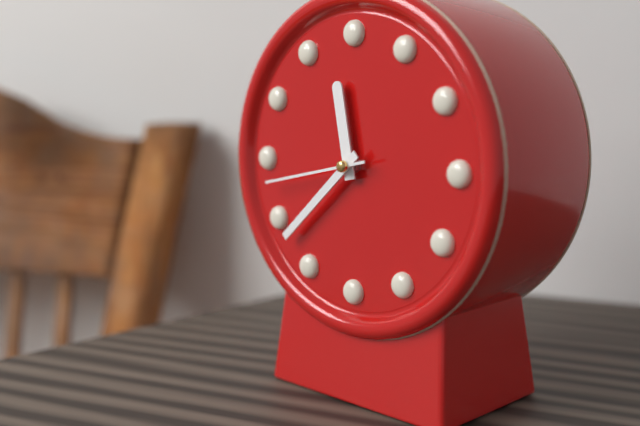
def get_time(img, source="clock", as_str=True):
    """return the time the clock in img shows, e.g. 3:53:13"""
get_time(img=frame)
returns 11:38:43
